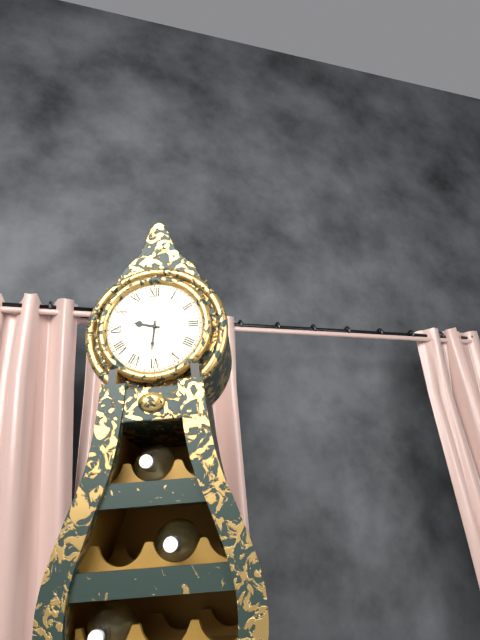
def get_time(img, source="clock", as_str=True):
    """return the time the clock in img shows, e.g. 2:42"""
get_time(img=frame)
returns 9:31
